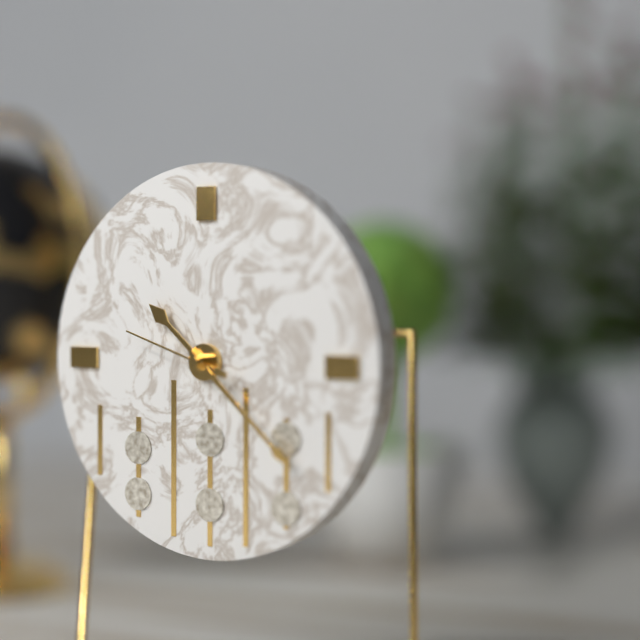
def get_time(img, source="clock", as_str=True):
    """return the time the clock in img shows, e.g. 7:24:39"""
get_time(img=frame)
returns 10:22:48
